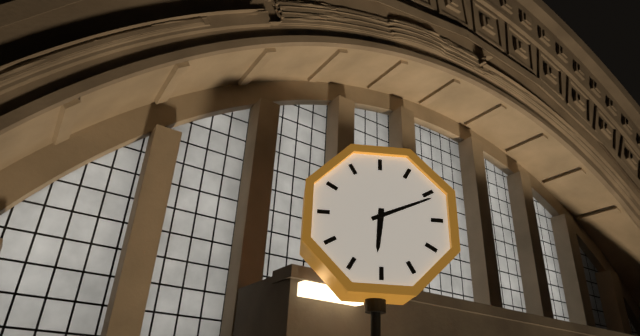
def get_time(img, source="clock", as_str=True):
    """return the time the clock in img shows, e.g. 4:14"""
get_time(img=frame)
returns 6:11
